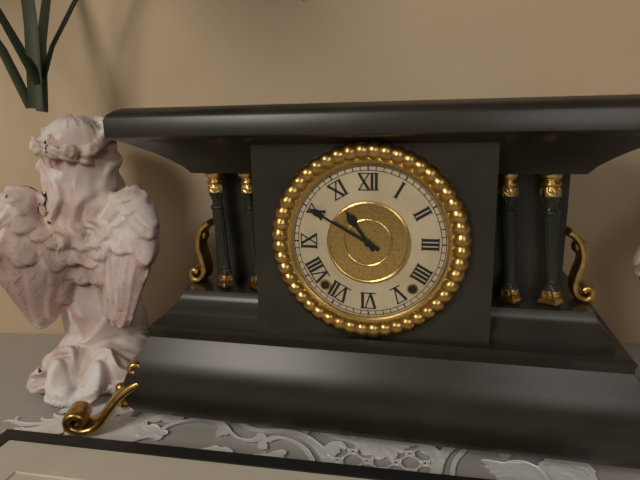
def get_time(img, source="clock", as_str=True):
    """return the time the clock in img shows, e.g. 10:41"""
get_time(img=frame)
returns 10:50
